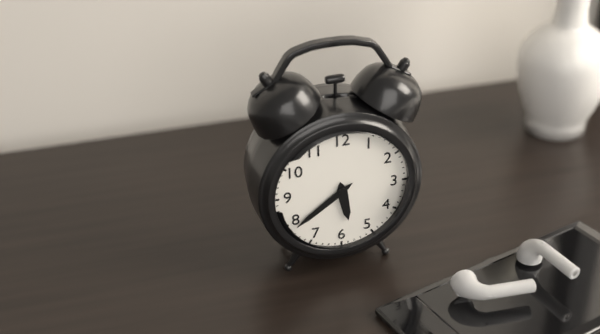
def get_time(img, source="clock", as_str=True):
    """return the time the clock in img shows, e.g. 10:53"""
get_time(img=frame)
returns 5:39
